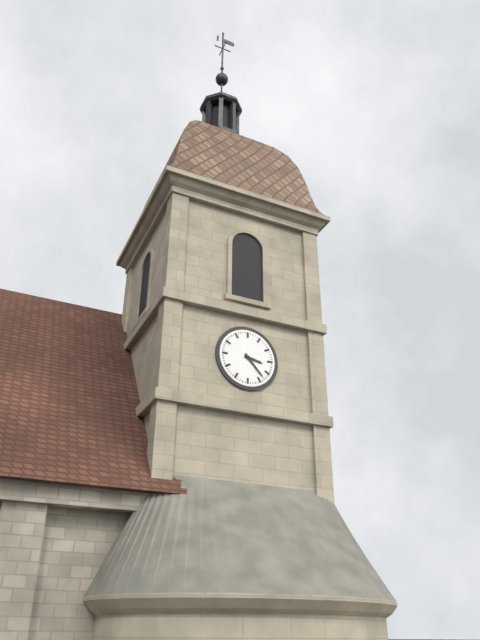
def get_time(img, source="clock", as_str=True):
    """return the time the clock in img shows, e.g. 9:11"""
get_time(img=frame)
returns 3:23
